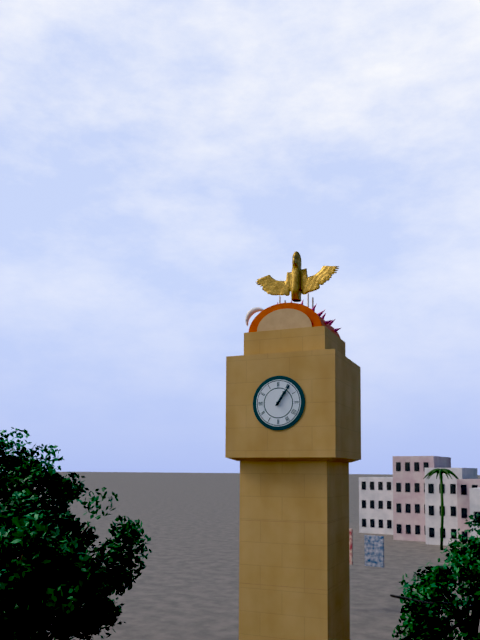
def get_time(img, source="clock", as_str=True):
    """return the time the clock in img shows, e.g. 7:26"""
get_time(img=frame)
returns 1:06
